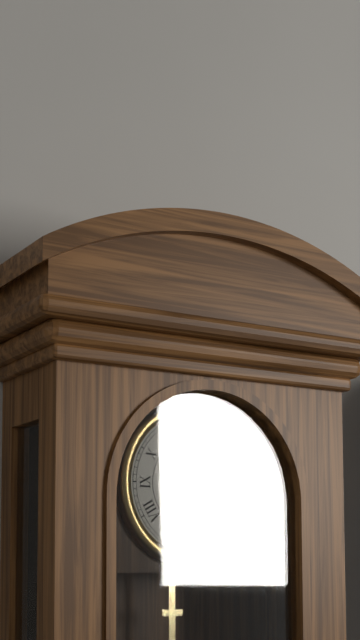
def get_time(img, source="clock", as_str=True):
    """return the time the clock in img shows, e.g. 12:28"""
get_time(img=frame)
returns 9:57
